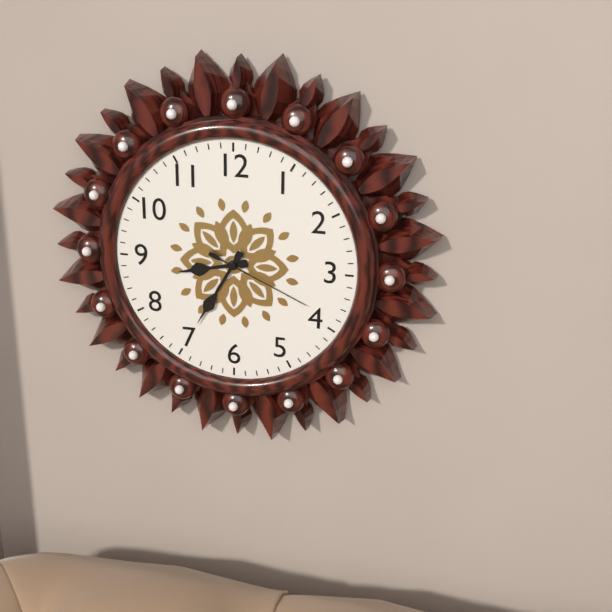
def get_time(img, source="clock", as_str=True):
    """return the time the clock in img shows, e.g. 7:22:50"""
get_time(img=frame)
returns 8:35:19
